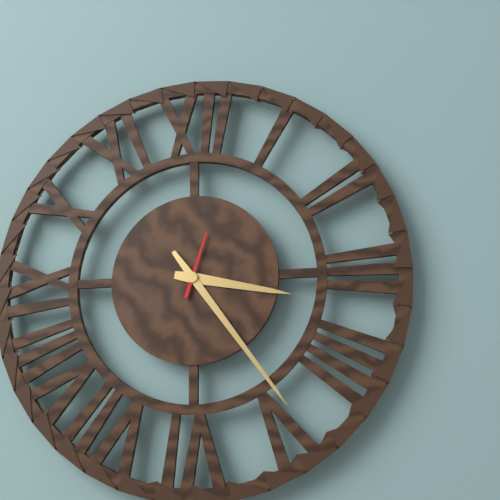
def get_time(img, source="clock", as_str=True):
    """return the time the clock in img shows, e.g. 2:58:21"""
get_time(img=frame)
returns 3:24:03
